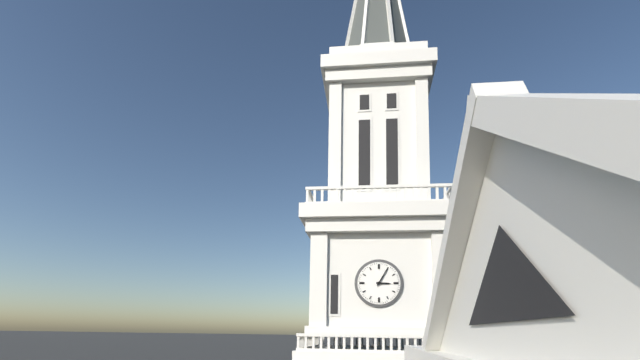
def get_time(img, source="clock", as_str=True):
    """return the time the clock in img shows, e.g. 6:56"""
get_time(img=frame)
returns 3:05
